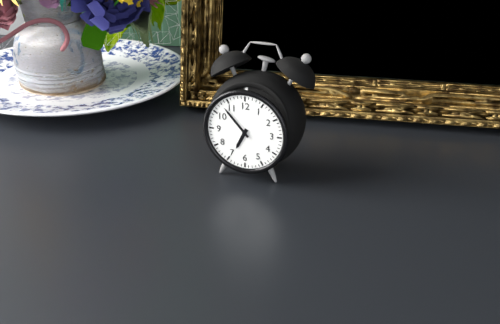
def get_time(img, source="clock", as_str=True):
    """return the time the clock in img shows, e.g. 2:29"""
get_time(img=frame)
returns 6:53
